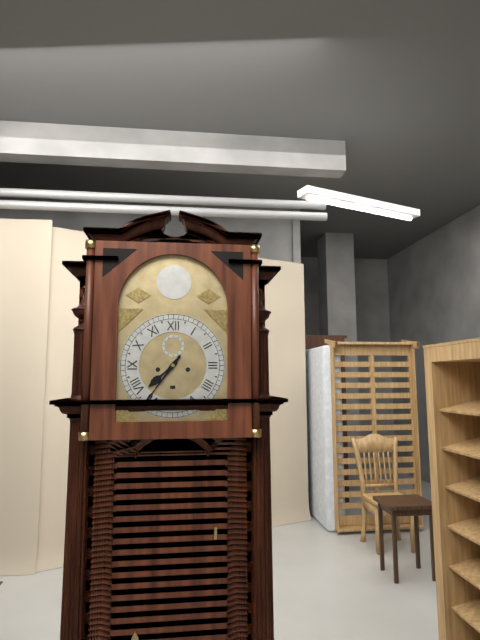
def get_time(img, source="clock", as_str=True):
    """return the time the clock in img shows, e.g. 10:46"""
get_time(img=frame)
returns 7:36
